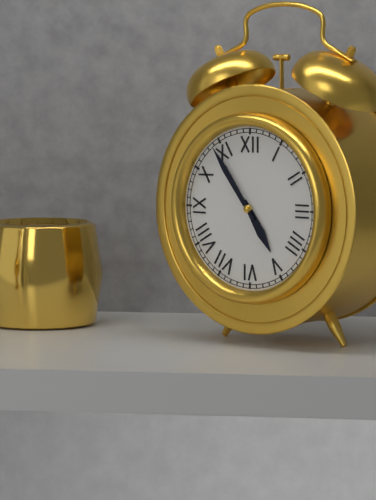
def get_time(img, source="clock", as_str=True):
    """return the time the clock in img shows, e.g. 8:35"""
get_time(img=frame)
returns 4:54
